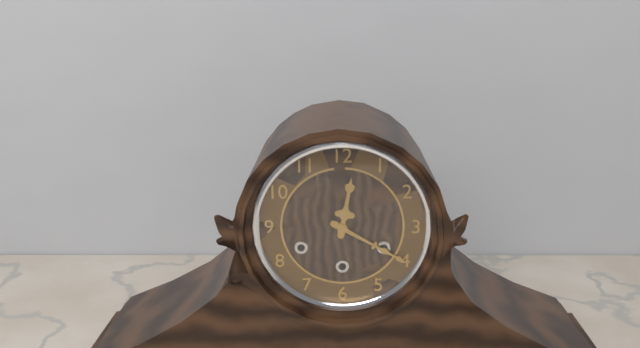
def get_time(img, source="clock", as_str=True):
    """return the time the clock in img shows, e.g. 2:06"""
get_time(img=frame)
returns 12:20
